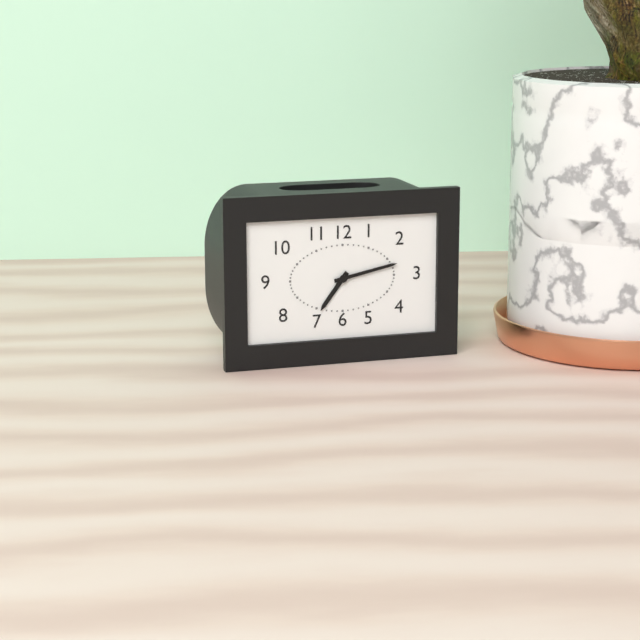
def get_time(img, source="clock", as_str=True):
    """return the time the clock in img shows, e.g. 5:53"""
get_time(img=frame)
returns 7:13
